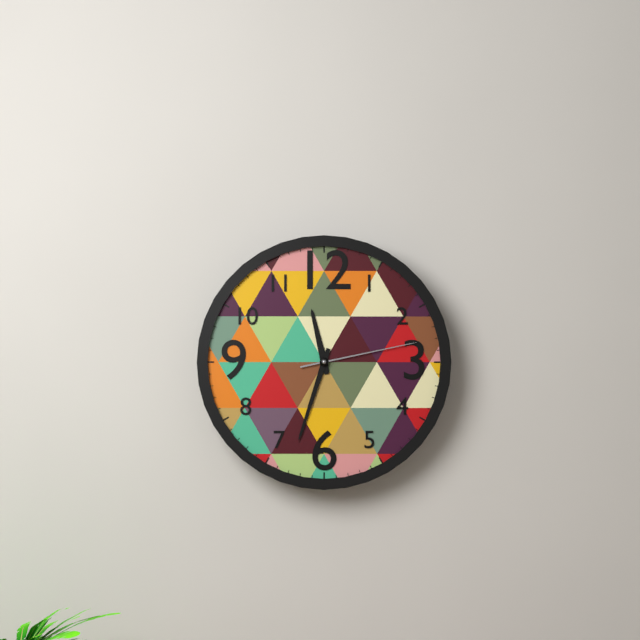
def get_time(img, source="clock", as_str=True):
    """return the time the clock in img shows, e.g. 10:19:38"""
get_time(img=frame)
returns 11:33:13
